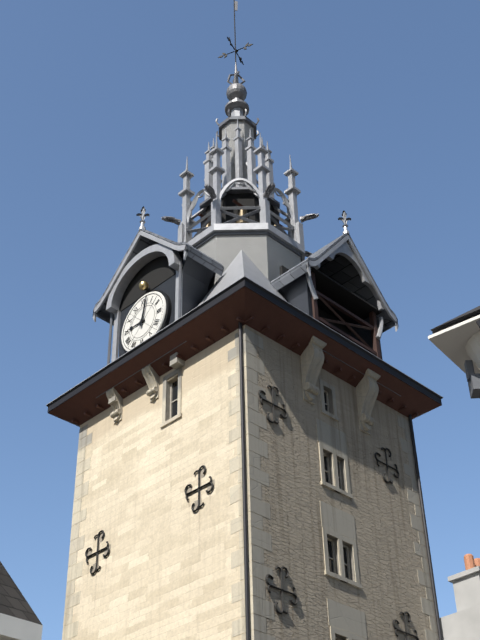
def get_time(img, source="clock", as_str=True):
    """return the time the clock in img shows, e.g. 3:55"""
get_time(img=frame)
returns 9:02
